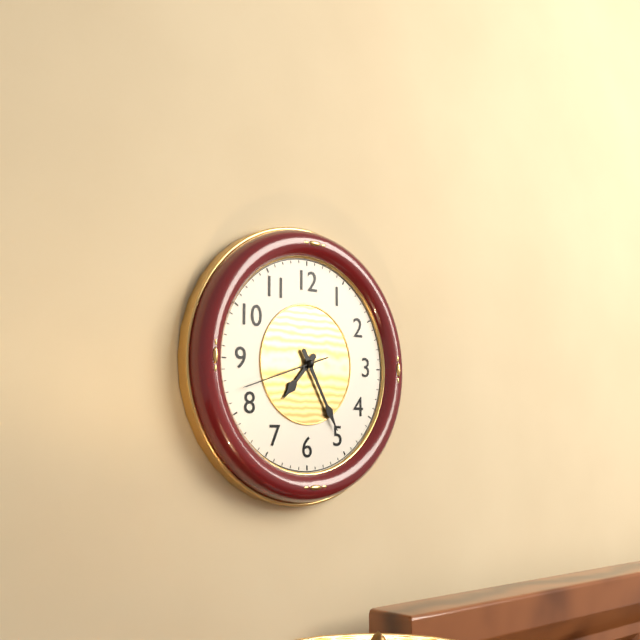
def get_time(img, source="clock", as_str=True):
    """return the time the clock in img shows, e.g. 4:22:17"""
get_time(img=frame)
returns 7:25:42
